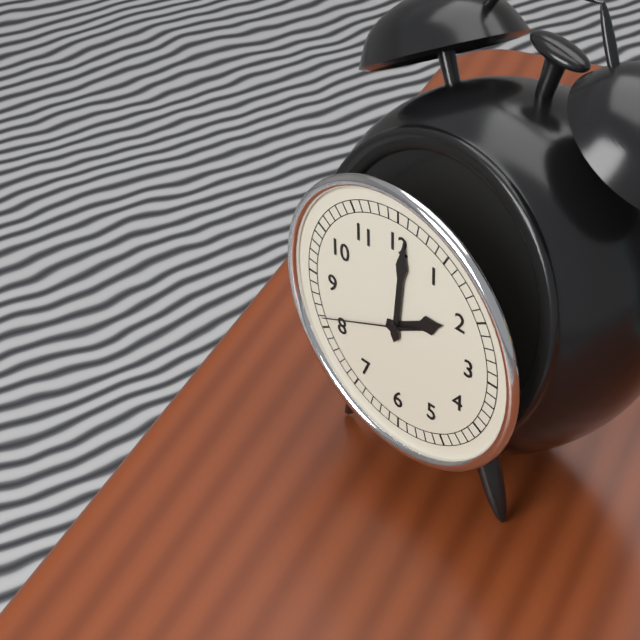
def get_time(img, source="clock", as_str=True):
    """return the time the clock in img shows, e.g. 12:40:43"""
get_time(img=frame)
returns 2:01:41
